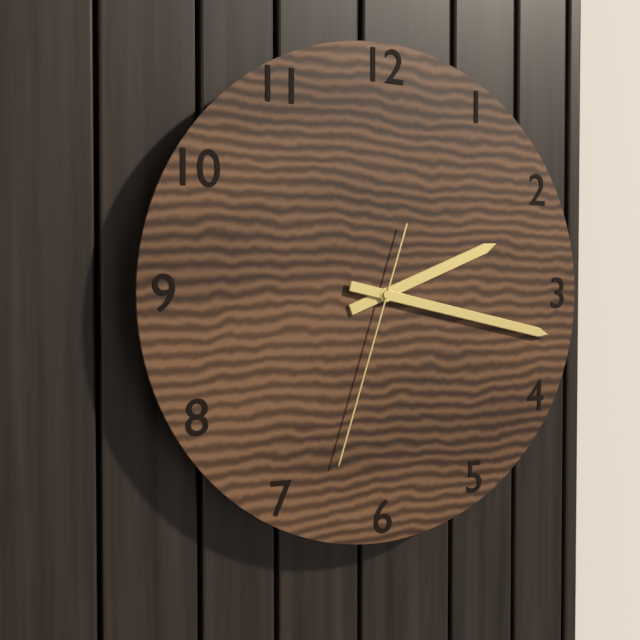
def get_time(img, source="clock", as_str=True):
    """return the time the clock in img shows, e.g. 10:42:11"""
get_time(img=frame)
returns 2:17:33
